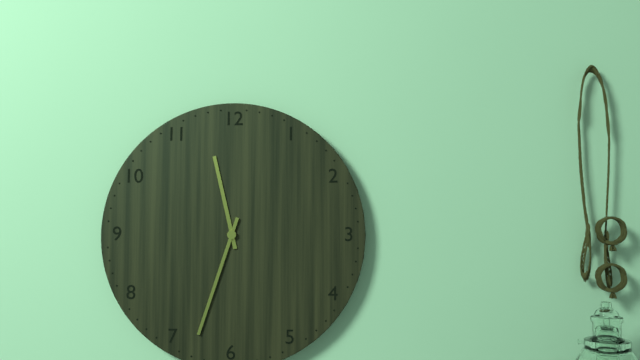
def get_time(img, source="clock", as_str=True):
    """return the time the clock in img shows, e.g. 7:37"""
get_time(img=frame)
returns 11:33
